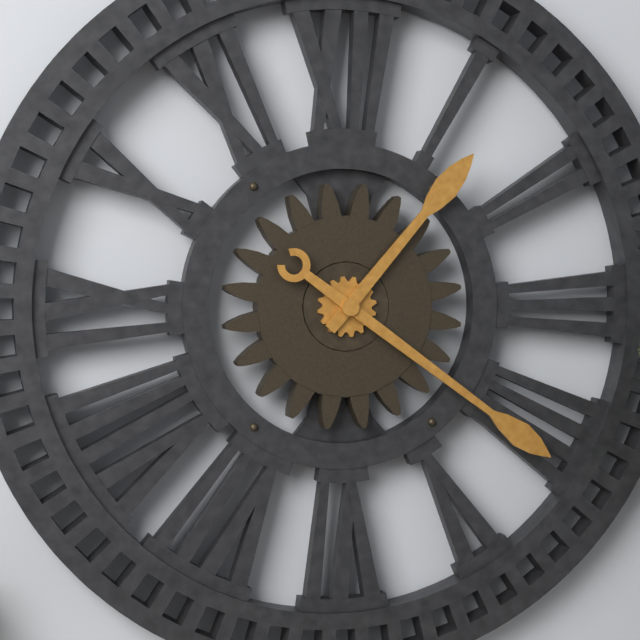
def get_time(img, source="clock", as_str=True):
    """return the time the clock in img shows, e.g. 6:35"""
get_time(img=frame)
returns 1:21
